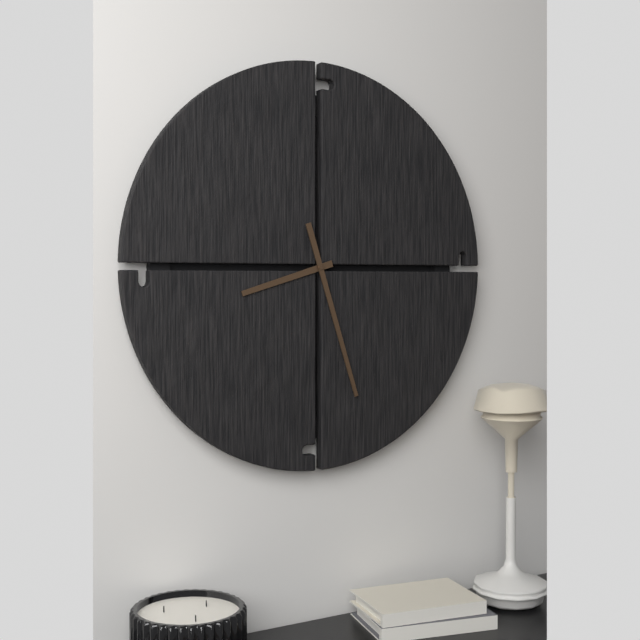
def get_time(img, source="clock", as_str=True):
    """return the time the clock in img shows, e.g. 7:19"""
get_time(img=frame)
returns 8:27
